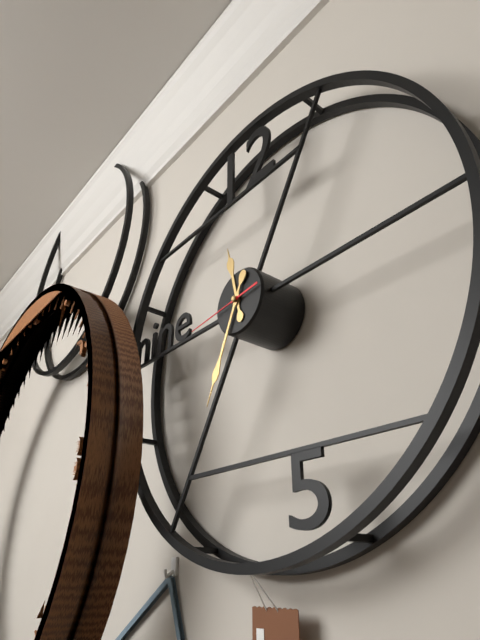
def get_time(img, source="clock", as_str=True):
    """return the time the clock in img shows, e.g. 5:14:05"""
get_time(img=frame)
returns 11:34:44
